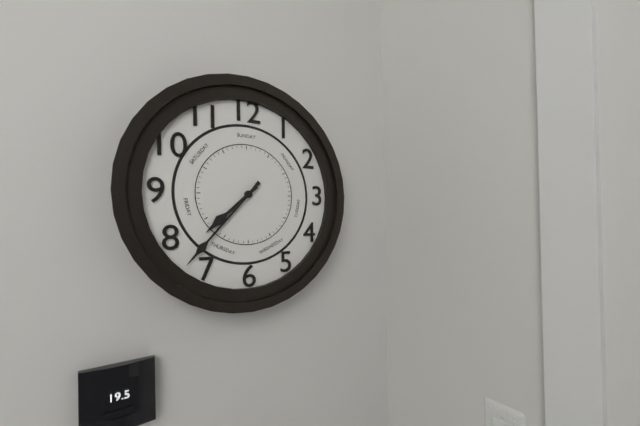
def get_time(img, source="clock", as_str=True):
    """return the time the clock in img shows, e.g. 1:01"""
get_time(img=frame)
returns 7:37
